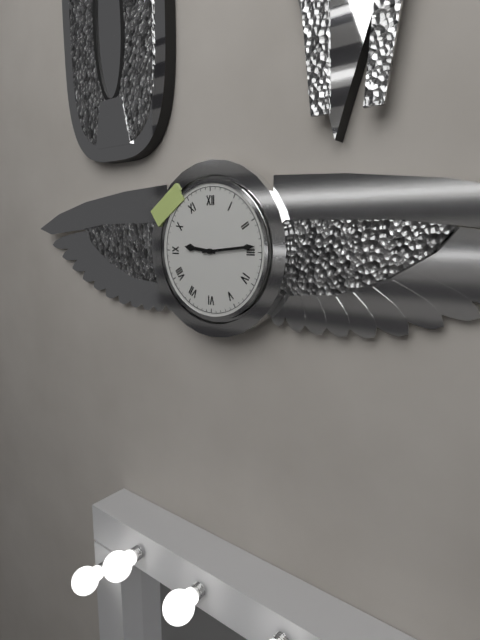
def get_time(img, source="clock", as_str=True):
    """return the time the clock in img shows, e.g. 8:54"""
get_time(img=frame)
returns 9:14
